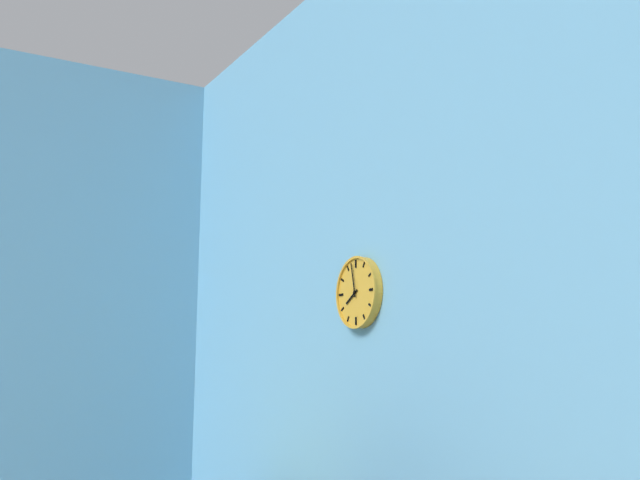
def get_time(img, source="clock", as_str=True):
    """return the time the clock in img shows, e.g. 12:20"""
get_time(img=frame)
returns 7:58
